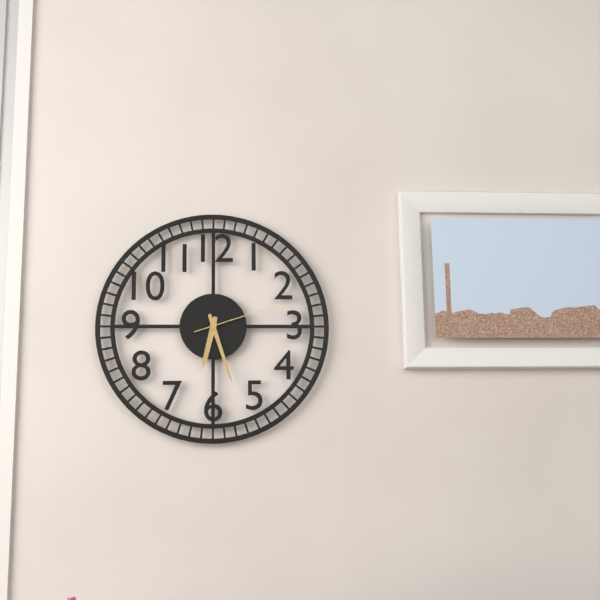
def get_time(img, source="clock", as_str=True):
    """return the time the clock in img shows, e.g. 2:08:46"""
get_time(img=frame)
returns 6:27:12
